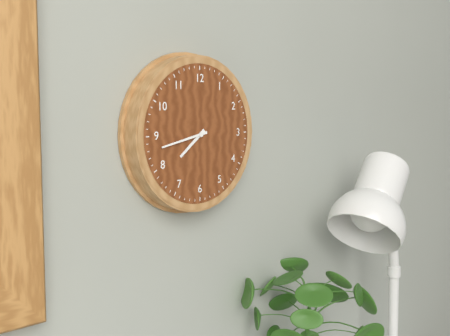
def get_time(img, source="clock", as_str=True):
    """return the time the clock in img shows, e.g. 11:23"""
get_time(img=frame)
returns 7:43
